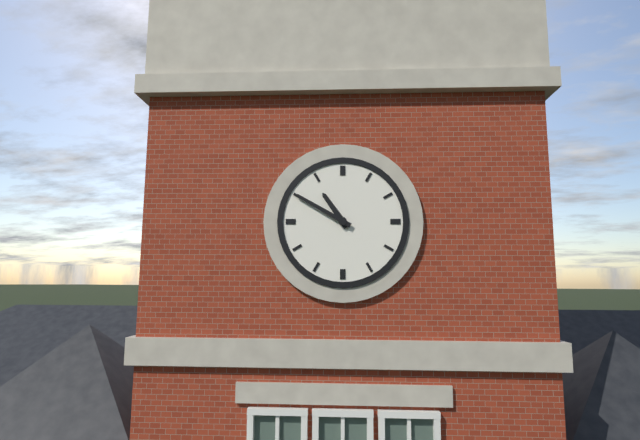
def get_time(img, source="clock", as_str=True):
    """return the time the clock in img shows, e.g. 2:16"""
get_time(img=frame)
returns 10:50
